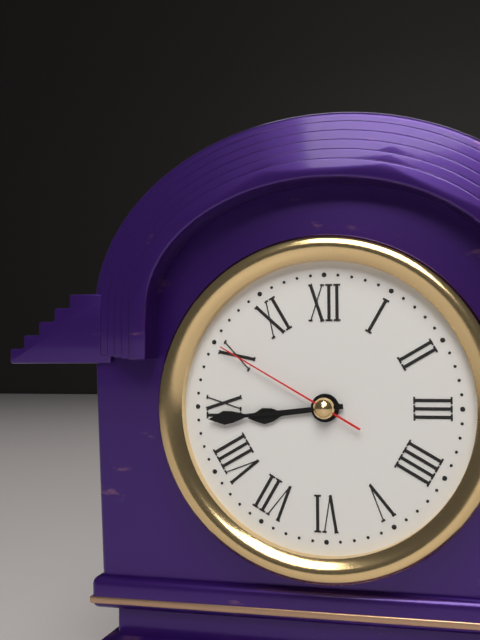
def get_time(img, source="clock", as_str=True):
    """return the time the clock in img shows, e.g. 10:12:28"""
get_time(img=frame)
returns 8:44:50
